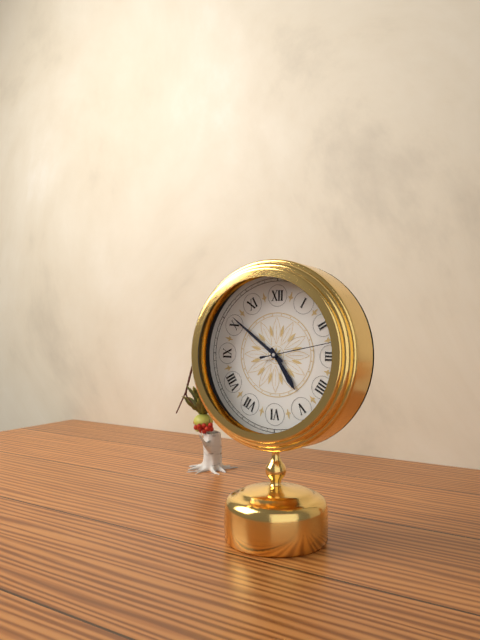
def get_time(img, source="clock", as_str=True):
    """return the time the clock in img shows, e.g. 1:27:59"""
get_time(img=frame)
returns 4:51:13
